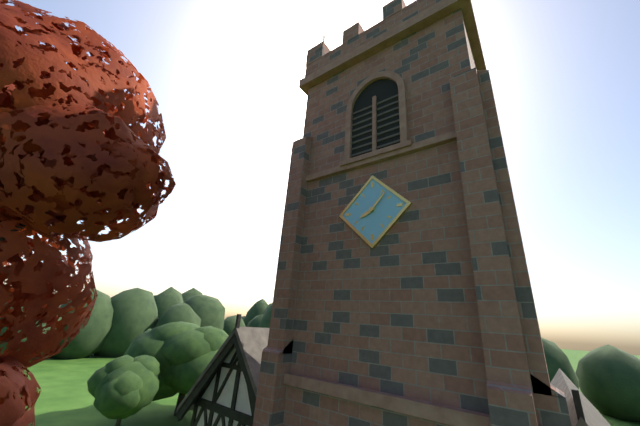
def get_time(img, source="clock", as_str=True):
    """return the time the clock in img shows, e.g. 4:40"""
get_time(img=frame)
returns 8:07
